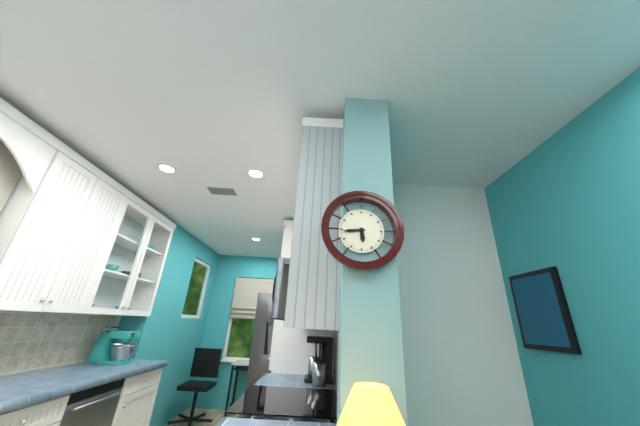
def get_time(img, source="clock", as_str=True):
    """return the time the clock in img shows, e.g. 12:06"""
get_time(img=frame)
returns 5:44
